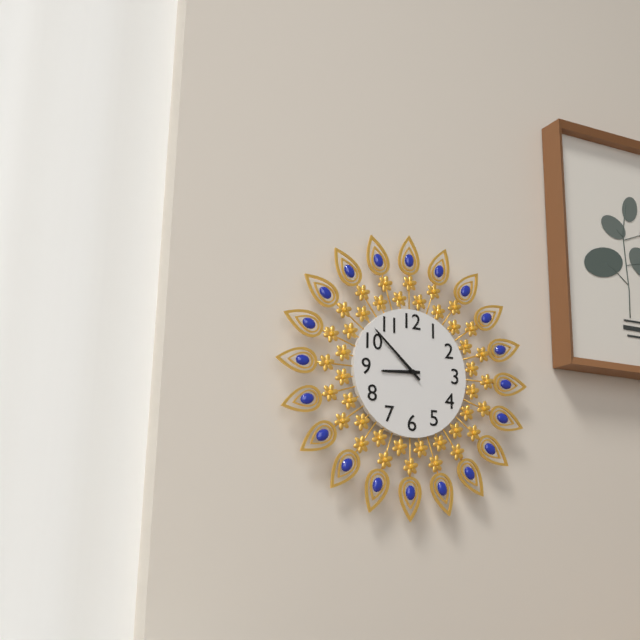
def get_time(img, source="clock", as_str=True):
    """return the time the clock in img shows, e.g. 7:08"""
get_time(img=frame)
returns 8:52
